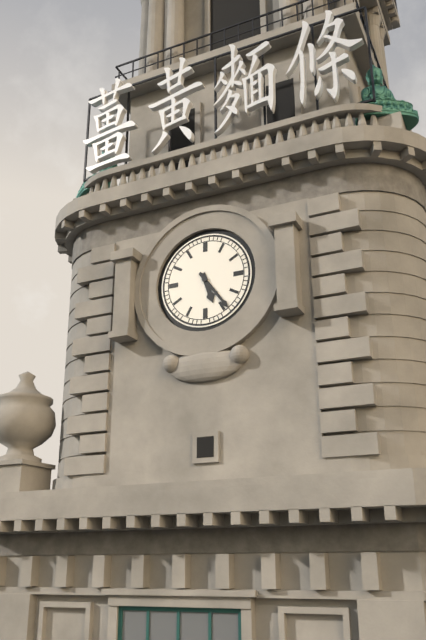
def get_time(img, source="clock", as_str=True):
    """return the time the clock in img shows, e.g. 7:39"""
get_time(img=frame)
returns 5:24
